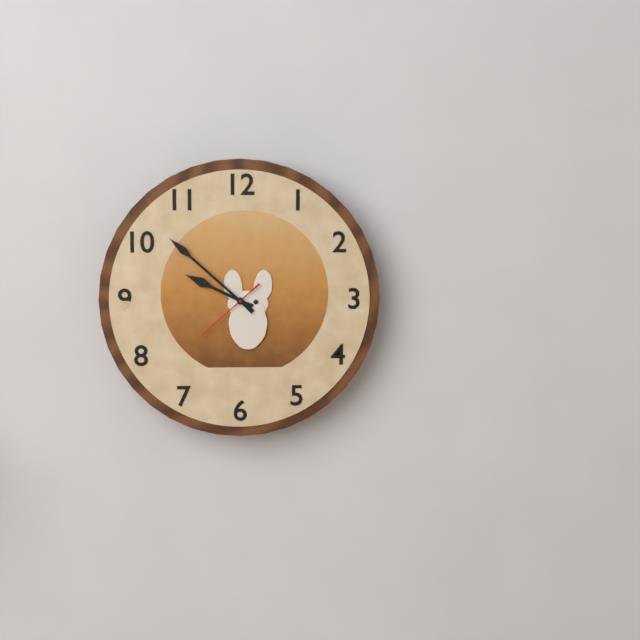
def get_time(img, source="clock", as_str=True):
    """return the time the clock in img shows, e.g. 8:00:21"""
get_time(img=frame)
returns 9:52:38
